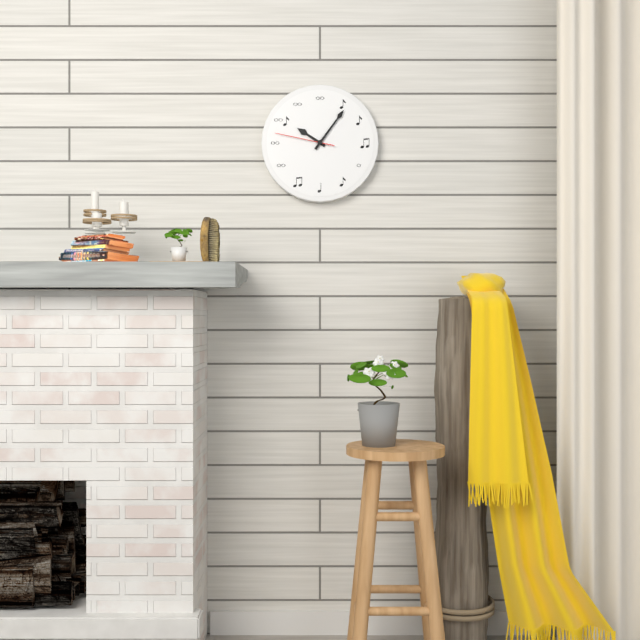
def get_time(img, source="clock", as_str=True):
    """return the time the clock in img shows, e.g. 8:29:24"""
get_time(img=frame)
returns 10:06:47
